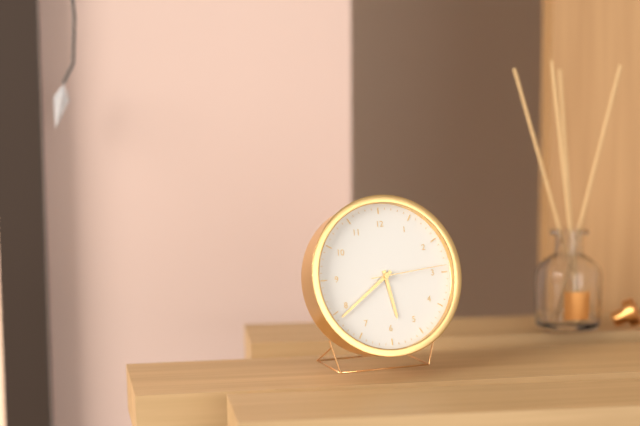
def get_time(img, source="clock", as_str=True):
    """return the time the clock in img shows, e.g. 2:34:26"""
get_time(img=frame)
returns 5:39:14
